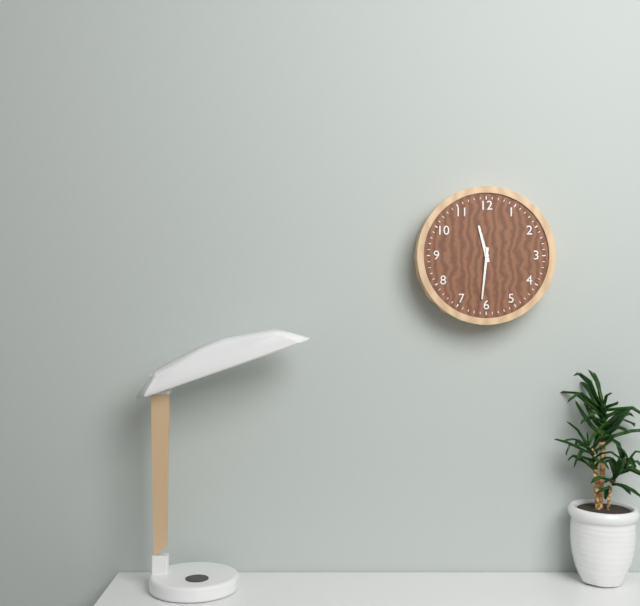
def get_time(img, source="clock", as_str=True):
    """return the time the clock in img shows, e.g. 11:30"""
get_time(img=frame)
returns 11:31
